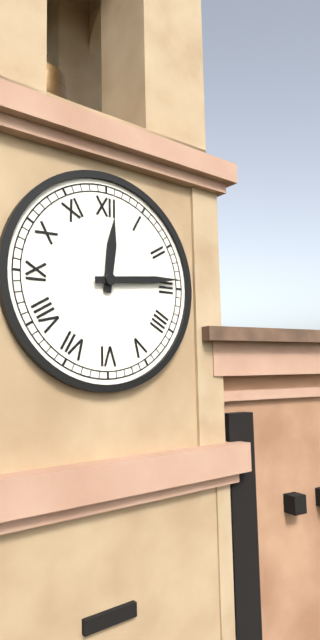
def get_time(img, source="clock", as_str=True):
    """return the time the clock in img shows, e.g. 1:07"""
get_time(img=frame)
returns 12:14
